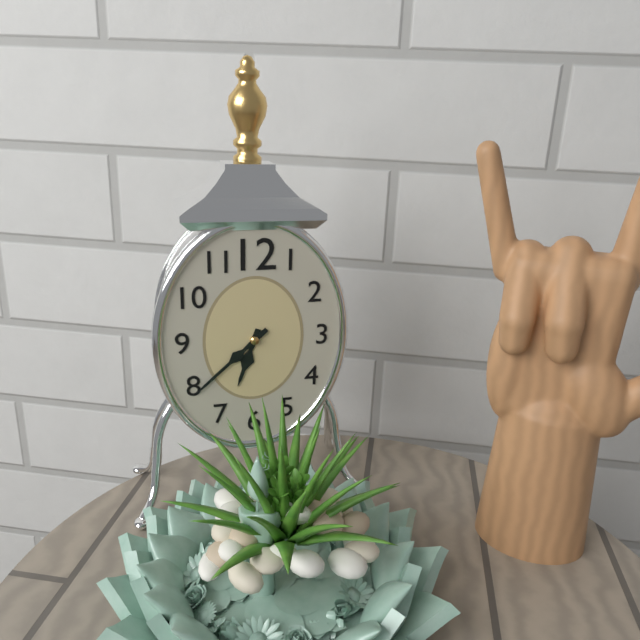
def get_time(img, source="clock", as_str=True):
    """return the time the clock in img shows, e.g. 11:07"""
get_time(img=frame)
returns 6:38
